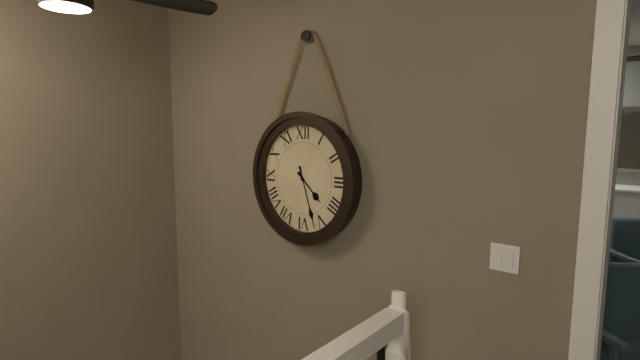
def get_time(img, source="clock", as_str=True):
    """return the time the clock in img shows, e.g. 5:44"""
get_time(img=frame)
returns 4:27
